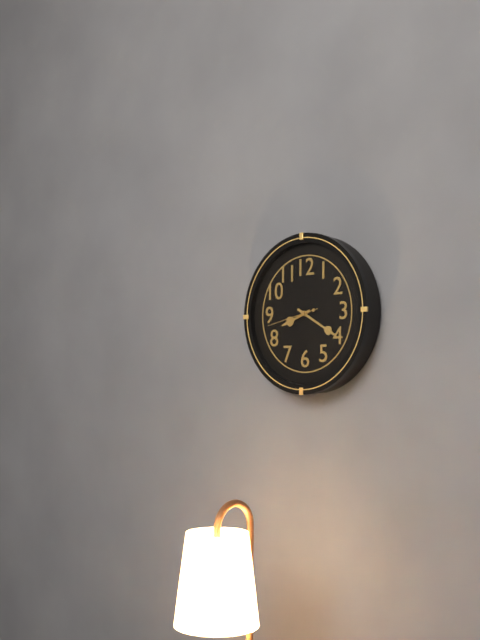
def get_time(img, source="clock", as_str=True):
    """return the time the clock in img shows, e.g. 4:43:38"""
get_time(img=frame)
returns 8:20:43
